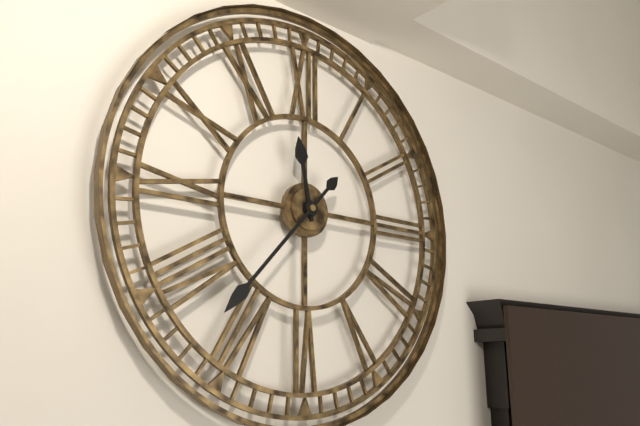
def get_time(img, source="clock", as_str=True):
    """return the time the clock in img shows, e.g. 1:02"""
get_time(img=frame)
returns 11:37
